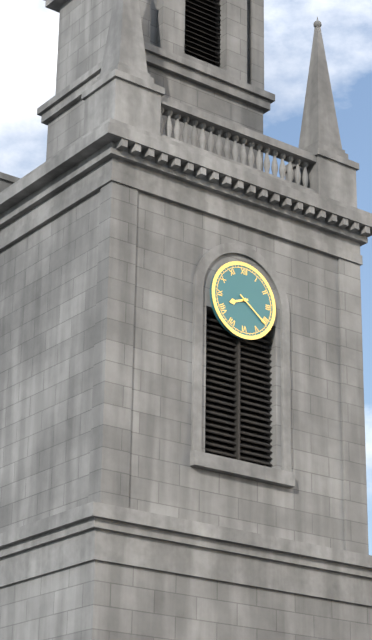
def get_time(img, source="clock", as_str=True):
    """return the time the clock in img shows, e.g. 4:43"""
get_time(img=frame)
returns 8:21
